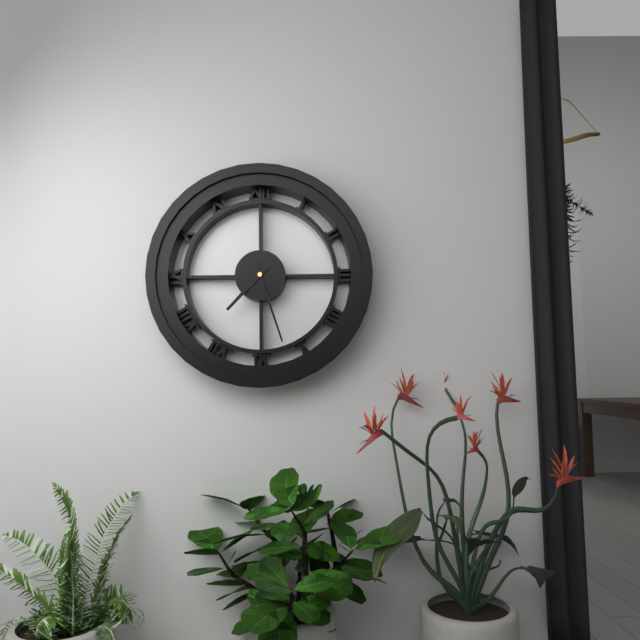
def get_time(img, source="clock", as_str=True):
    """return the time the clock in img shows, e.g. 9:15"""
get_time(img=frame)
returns 7:27
